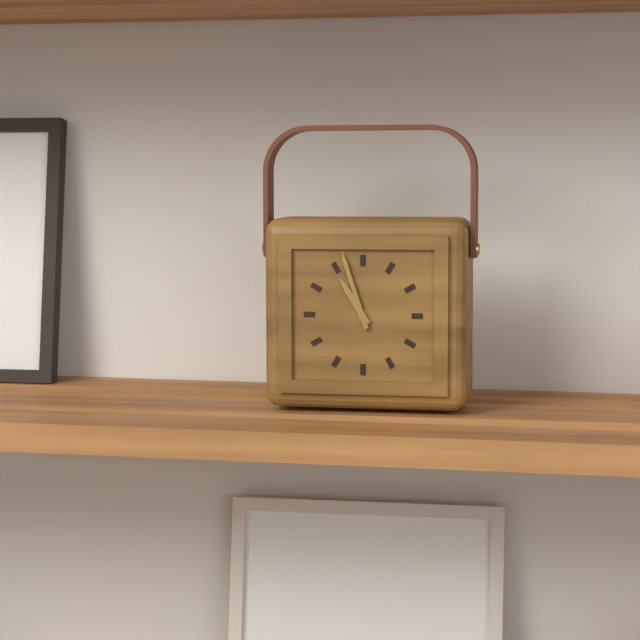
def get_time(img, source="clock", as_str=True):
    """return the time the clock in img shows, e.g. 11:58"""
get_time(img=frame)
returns 10:57
